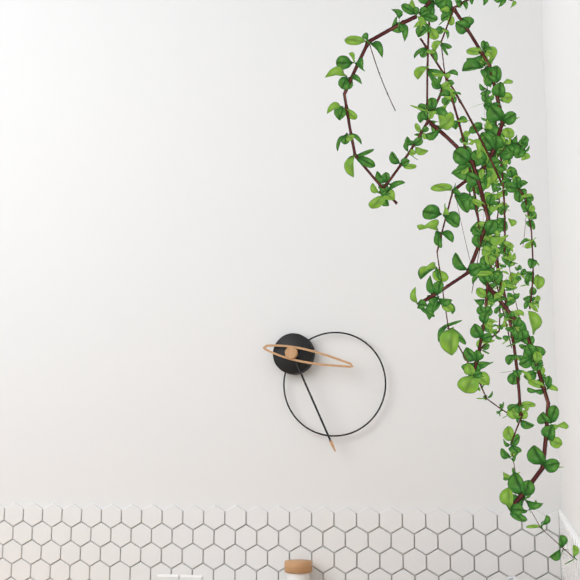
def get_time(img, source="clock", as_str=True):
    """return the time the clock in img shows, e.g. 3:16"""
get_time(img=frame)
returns 3:26
